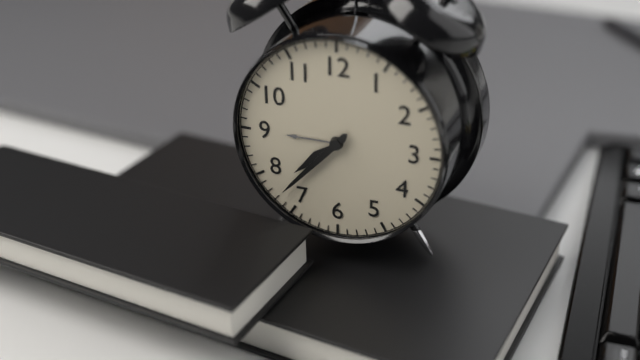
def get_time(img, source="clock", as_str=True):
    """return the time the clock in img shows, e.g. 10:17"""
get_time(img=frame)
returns 7:37
